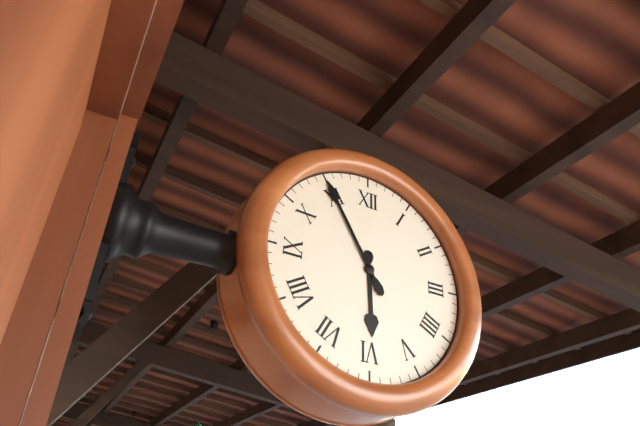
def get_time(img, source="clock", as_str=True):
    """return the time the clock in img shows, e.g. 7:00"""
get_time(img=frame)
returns 5:55
